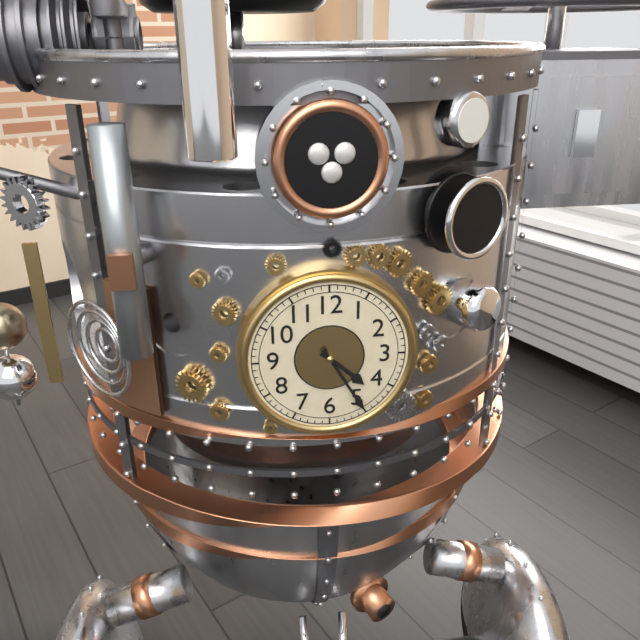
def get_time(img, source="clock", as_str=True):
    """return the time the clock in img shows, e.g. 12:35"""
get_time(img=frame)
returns 4:25
